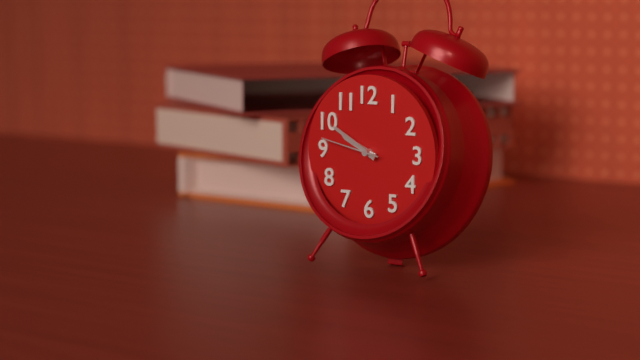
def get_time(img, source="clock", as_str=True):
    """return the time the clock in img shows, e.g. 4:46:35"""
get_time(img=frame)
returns 9:50:47
